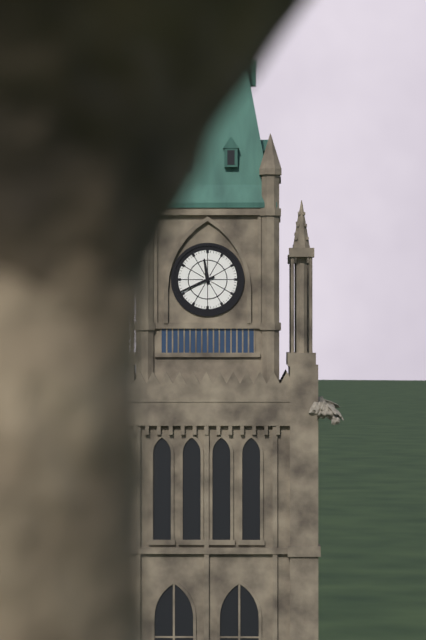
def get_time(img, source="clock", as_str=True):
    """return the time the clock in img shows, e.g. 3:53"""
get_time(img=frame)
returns 11:41
